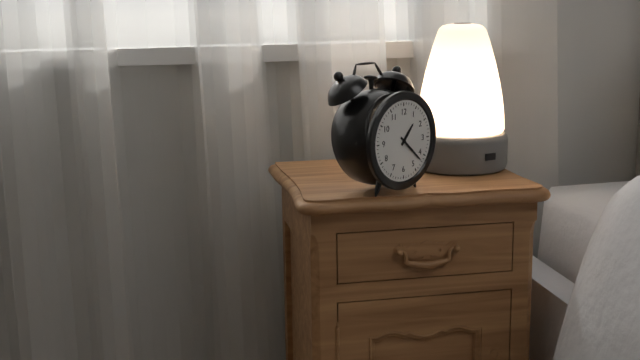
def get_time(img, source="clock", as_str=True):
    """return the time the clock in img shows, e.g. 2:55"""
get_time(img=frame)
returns 1:22
